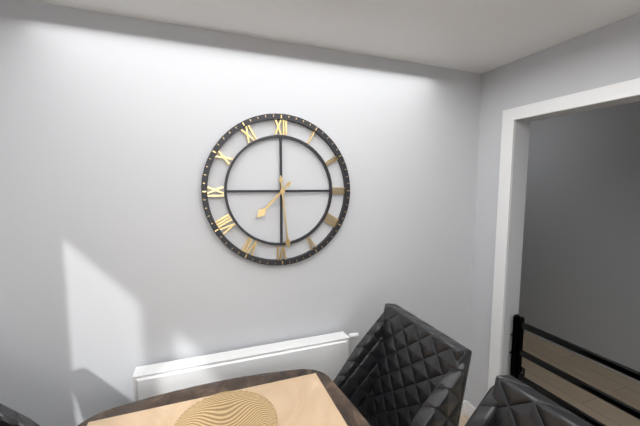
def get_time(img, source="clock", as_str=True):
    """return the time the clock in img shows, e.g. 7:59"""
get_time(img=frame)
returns 7:29
